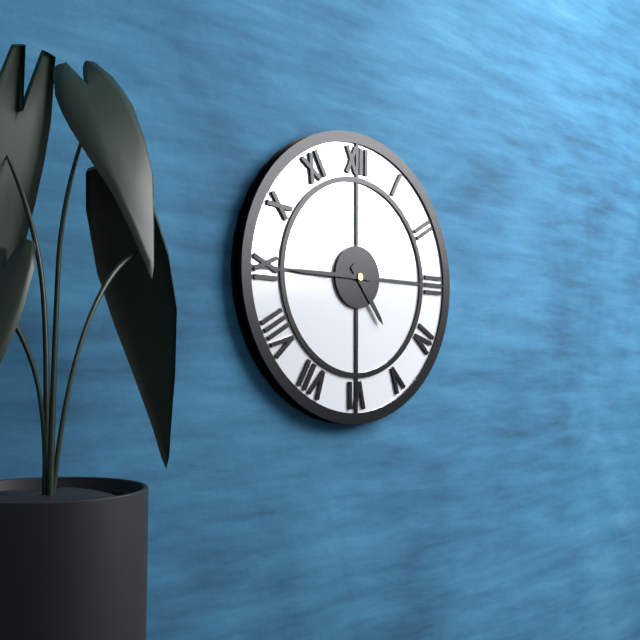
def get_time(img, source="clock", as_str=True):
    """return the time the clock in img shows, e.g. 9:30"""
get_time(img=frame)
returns 4:45
